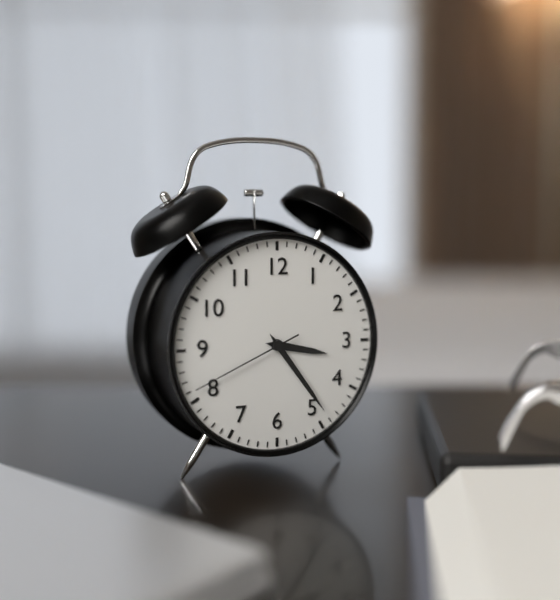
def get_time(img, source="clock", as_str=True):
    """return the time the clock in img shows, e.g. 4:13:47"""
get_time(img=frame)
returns 3:24:41
